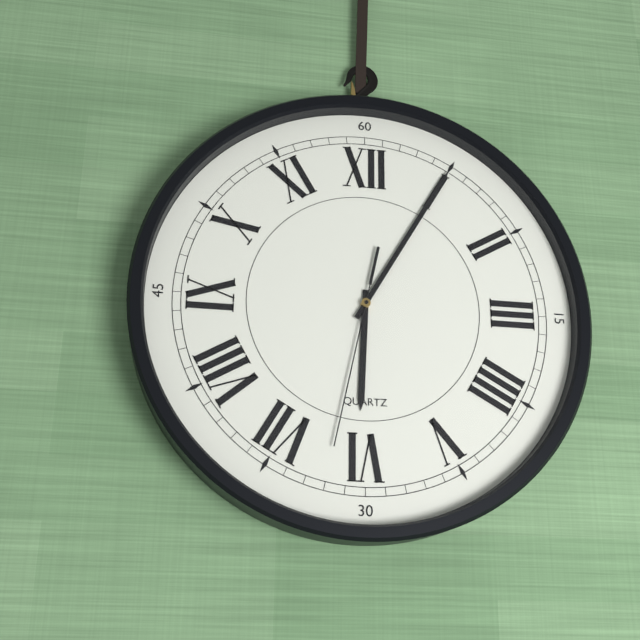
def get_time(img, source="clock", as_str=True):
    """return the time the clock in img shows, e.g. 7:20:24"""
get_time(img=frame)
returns 6:05:32
